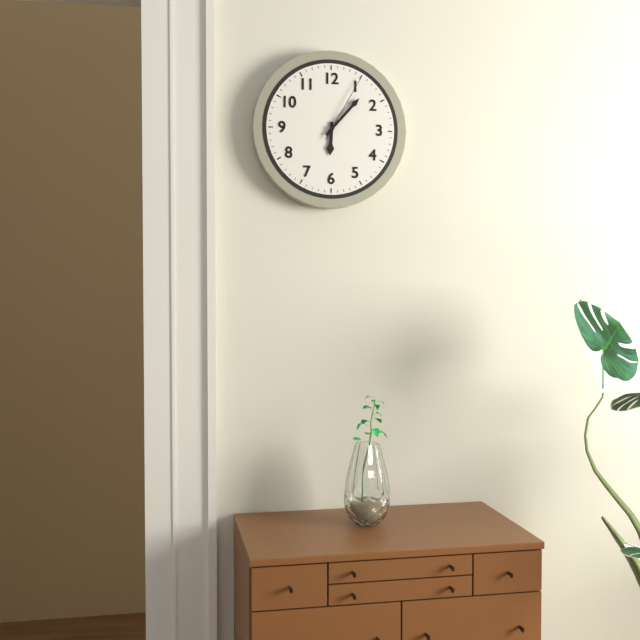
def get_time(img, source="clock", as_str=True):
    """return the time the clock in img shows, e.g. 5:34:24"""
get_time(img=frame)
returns 6:07:05
